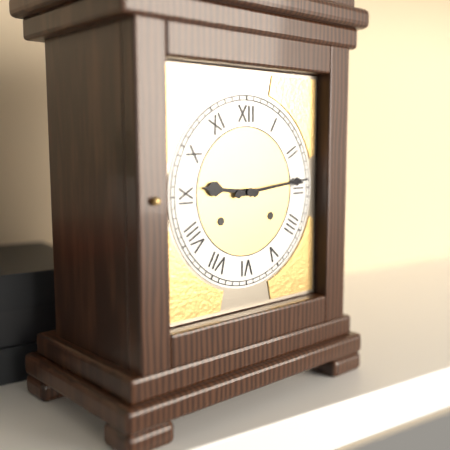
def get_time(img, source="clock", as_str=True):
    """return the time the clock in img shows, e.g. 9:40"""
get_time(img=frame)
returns 9:14
